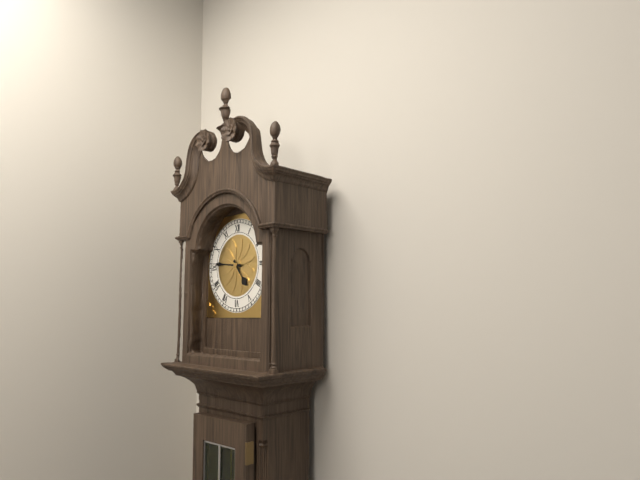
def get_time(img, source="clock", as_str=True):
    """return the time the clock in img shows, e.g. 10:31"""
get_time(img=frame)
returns 4:46
